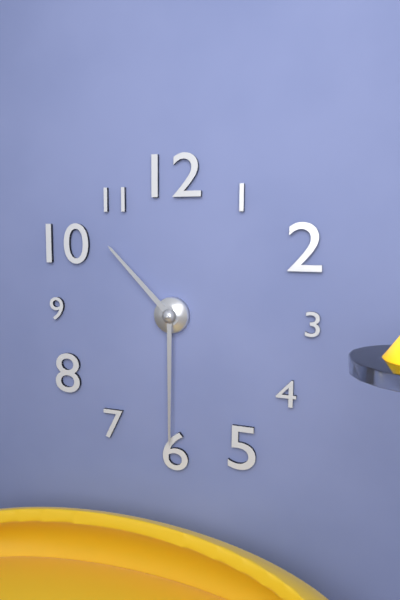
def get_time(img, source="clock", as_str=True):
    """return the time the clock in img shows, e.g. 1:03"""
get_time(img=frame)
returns 10:30
